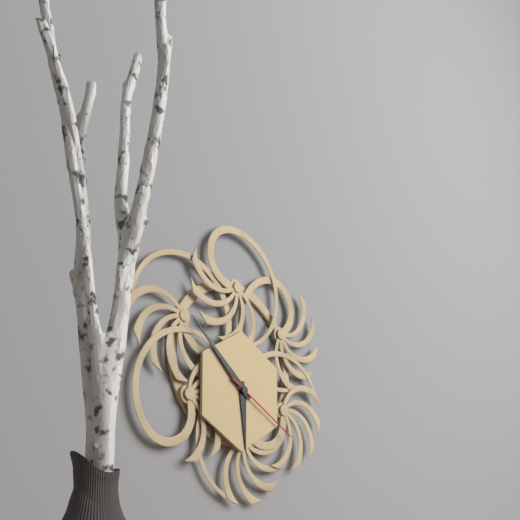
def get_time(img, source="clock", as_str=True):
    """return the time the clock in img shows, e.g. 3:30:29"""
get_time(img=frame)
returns 5:52:20
